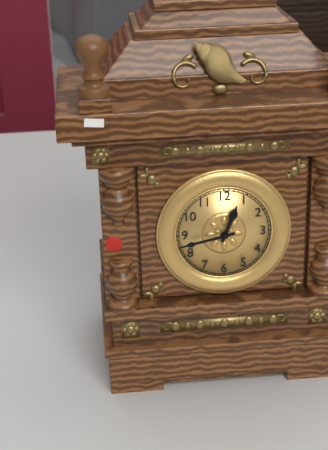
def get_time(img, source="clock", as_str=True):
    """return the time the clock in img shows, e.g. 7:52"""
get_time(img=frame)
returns 12:43
